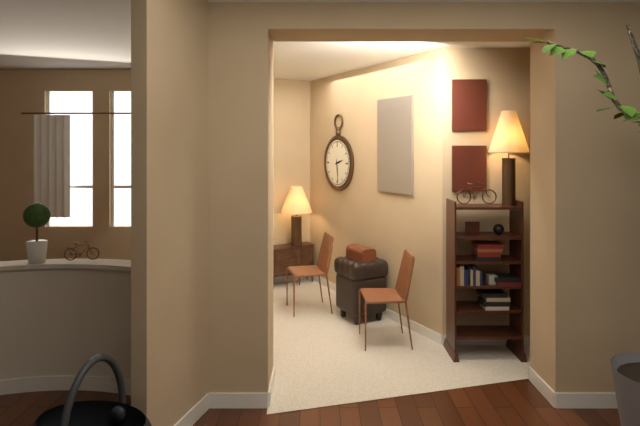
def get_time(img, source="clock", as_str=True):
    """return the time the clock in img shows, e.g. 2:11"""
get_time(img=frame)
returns 2:29
